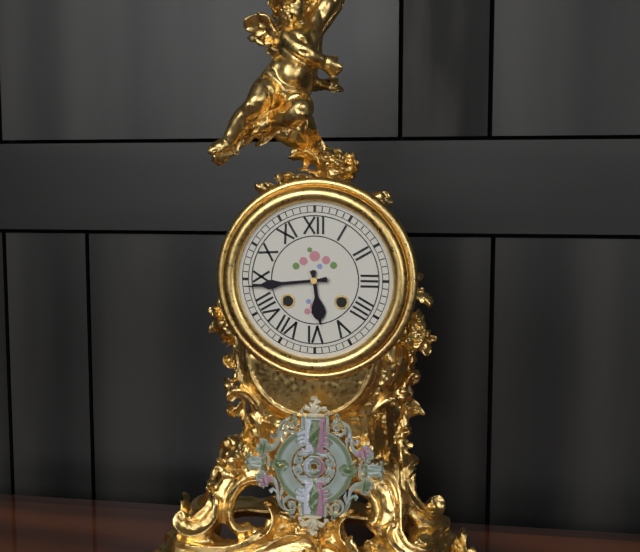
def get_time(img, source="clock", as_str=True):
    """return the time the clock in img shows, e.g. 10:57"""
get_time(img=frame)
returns 5:44
